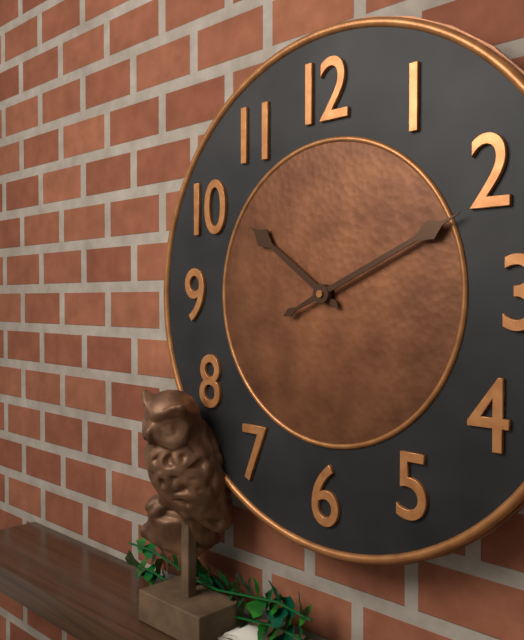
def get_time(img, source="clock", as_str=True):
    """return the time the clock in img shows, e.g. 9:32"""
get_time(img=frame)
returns 10:11
